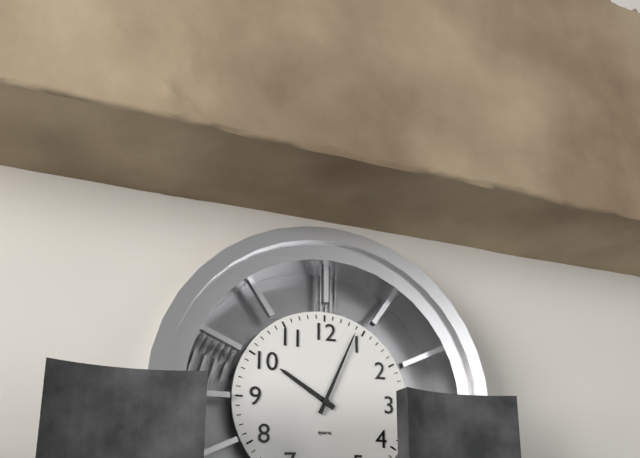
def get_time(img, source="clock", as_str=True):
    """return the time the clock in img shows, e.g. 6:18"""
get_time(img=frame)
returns 10:04
